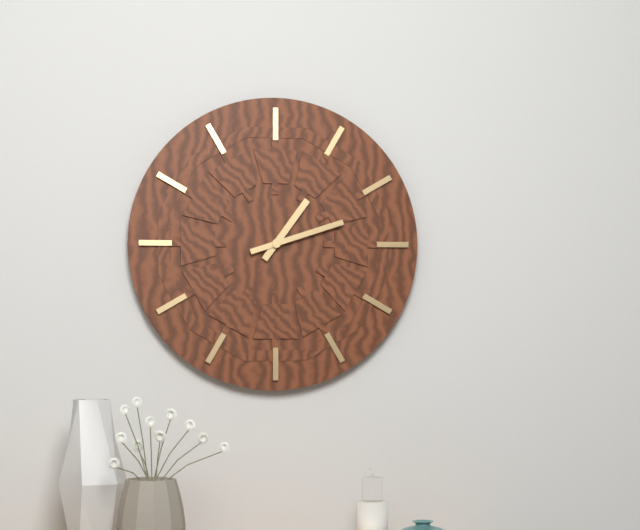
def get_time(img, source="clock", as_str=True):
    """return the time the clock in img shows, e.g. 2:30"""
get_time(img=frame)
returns 1:12
